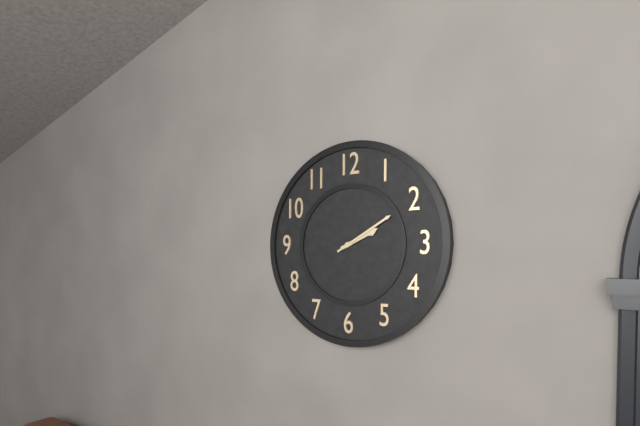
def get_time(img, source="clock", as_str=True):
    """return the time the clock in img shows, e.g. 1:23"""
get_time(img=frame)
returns 2:10
